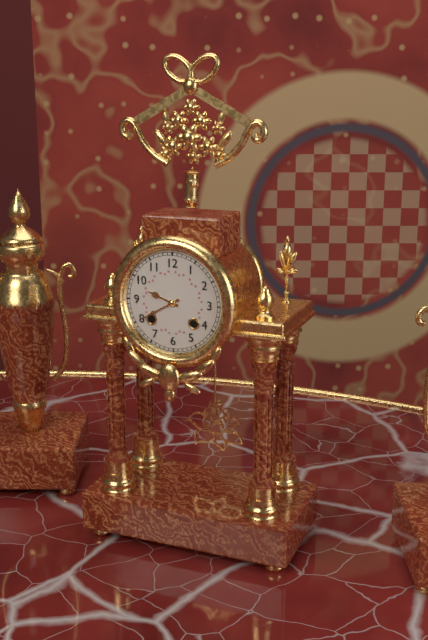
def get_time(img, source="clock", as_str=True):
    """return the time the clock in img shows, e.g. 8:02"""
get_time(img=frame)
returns 9:40
